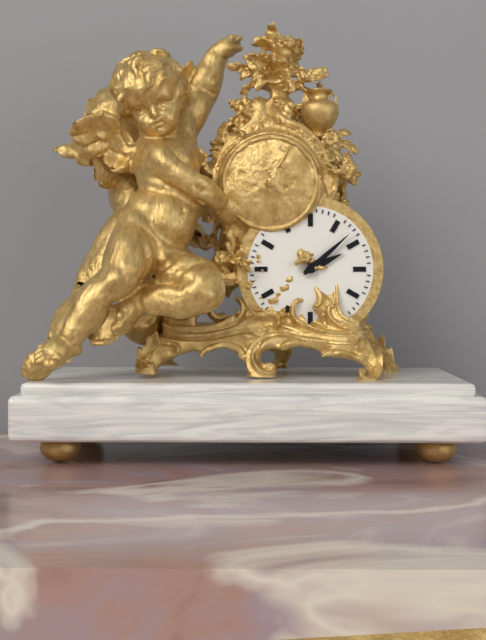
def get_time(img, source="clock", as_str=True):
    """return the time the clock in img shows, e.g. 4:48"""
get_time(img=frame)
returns 2:08
